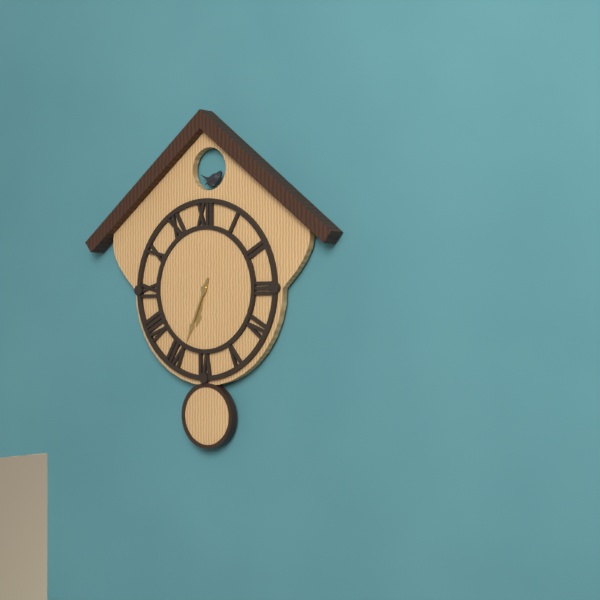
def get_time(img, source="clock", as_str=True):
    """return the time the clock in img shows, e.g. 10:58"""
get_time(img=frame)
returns 6:34
